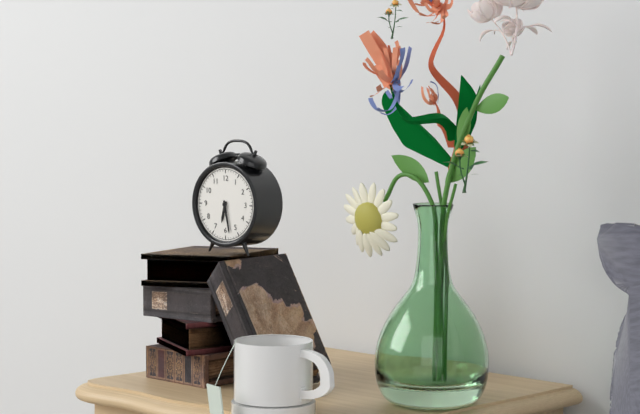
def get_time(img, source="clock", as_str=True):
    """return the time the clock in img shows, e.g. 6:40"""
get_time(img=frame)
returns 6:28
